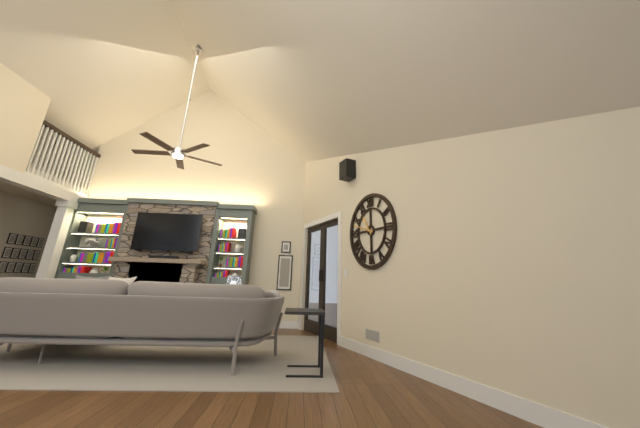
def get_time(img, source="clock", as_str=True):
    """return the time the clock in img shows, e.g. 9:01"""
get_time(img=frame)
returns 10:48
